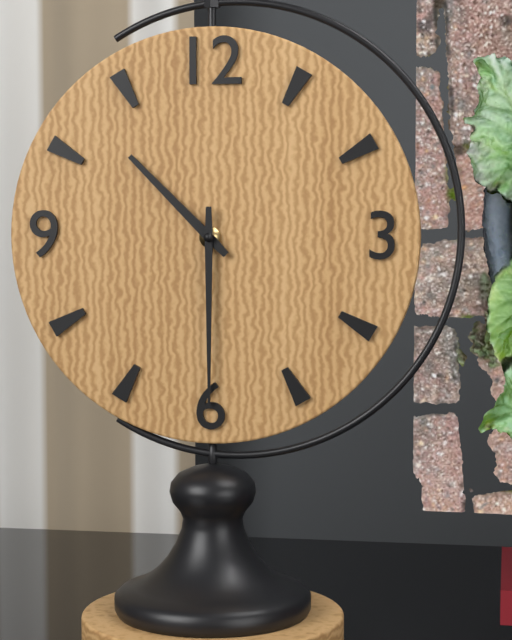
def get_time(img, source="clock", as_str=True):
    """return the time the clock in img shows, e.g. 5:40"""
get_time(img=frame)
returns 10:30
